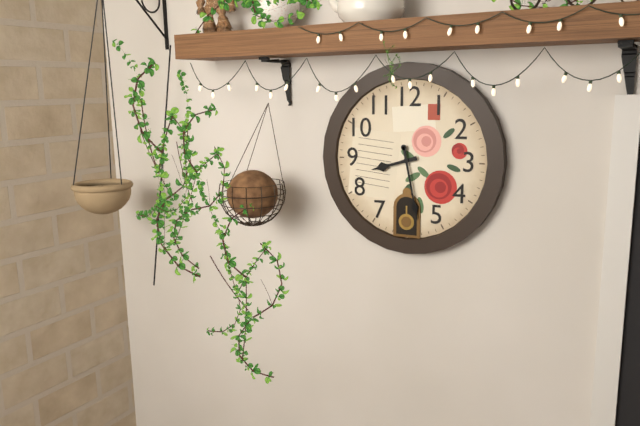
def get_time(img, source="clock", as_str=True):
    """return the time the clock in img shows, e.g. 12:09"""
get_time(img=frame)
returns 8:28
